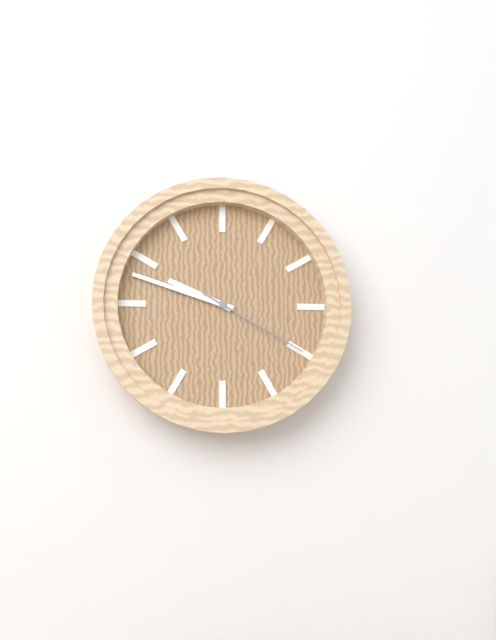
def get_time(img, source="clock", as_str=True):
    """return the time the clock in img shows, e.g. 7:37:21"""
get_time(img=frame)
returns 9:48:20
